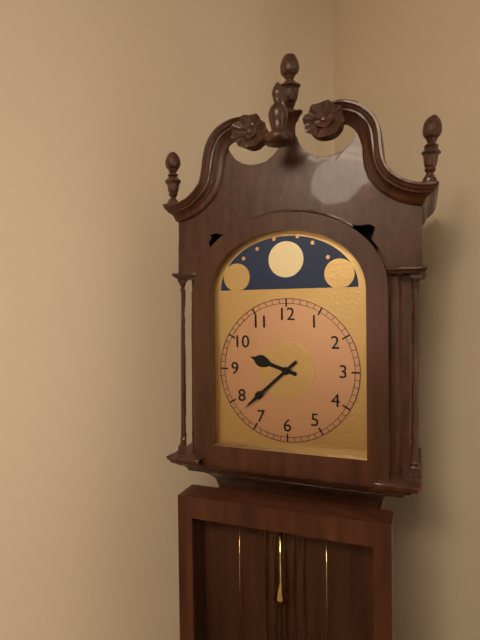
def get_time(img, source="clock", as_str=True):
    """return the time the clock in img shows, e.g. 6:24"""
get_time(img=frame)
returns 9:38
